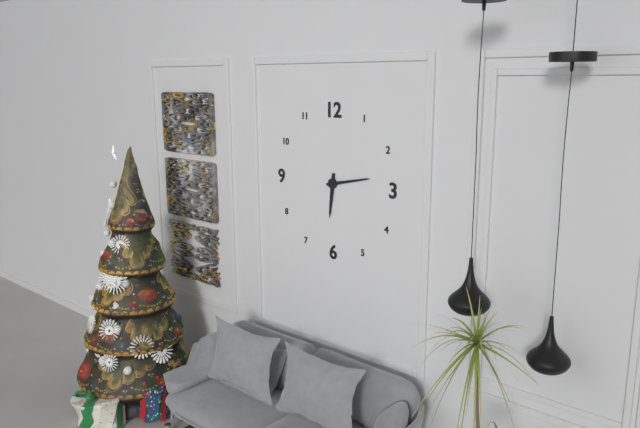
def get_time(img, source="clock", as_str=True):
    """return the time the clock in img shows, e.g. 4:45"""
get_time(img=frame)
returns 6:13
